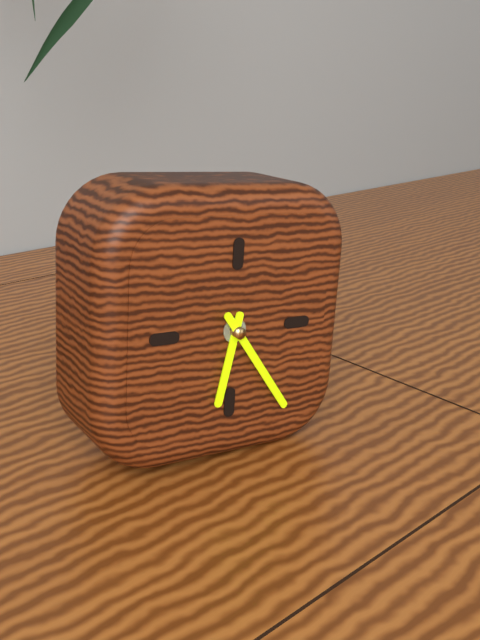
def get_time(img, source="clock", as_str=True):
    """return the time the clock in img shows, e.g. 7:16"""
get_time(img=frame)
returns 6:24
